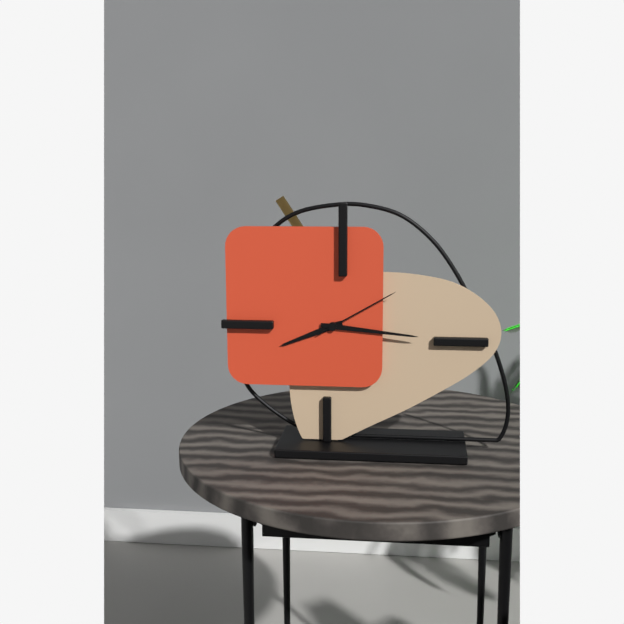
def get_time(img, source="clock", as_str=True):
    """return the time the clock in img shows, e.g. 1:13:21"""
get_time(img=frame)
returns 8:16:10
